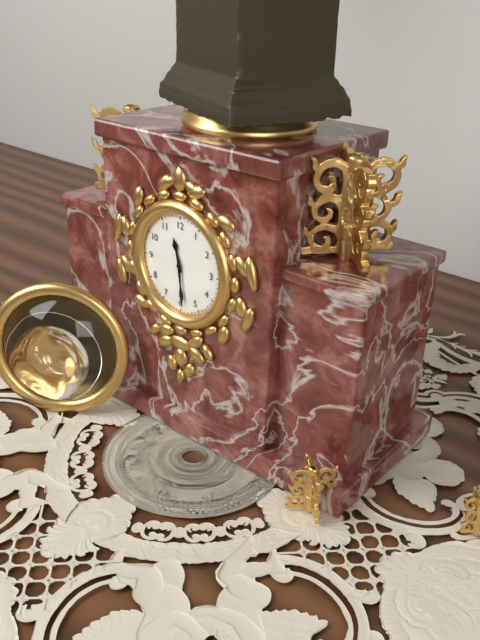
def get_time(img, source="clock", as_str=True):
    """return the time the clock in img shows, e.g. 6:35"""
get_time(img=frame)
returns 11:29
